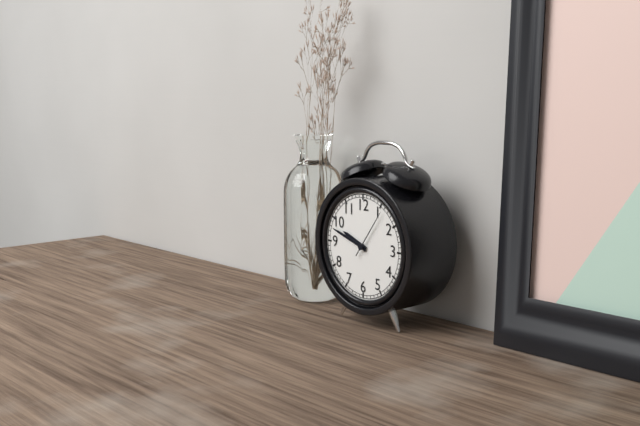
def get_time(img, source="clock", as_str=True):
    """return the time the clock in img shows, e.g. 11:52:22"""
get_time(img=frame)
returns 9:48:06
